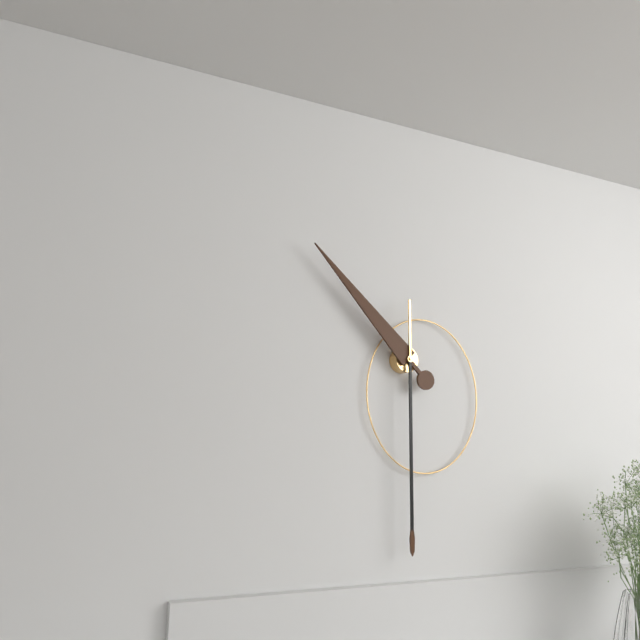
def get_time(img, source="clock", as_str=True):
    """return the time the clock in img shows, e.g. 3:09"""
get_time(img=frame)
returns 10:30
